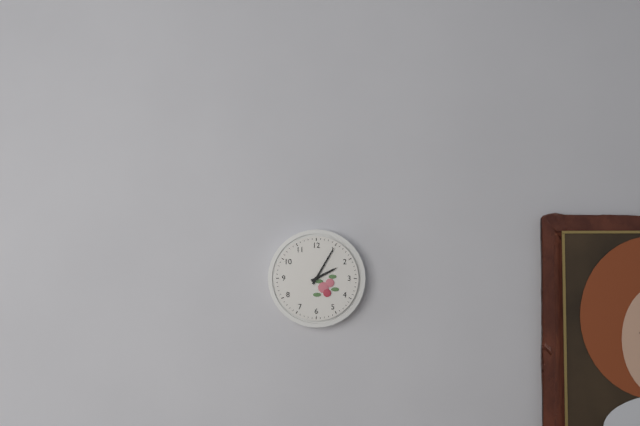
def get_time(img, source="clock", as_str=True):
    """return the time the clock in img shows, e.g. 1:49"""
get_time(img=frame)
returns 2:05
